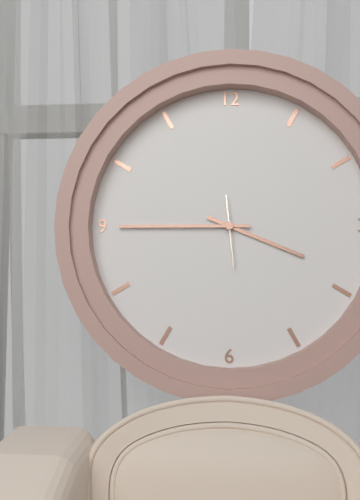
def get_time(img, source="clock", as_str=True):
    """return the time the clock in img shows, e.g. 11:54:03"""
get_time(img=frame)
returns 3:45:29
